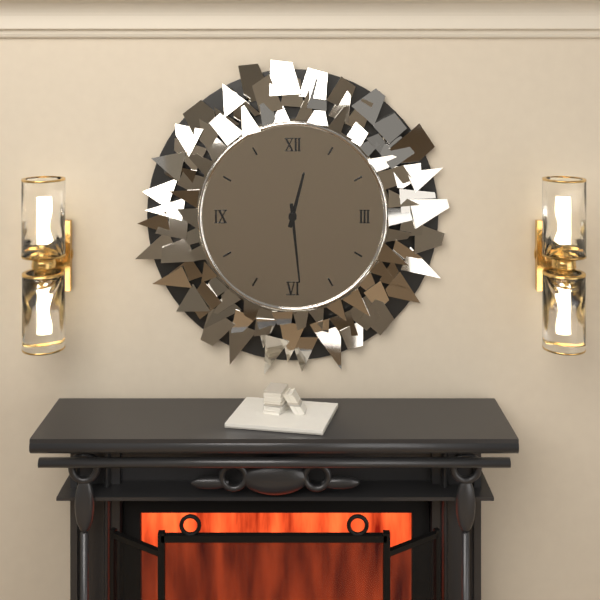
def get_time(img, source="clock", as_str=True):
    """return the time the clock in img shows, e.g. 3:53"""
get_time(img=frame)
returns 12:29
